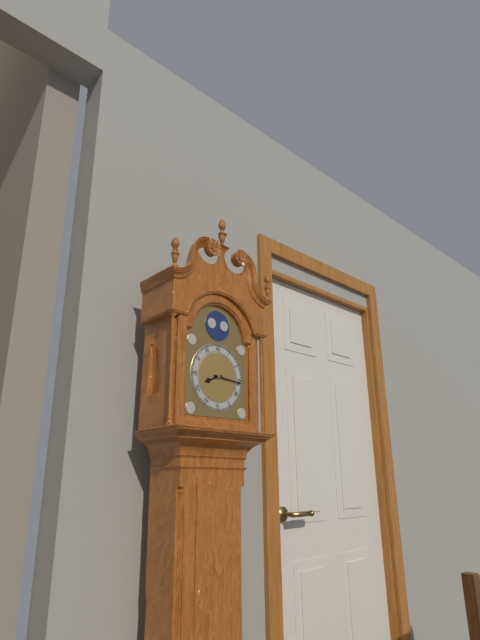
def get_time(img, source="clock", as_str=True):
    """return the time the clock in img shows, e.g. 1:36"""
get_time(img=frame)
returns 8:16
